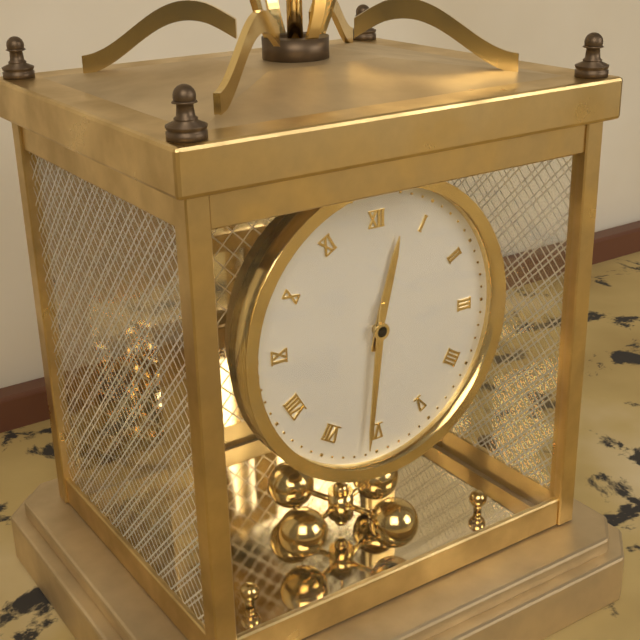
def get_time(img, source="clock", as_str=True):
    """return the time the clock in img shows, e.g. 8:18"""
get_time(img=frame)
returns 12:31
